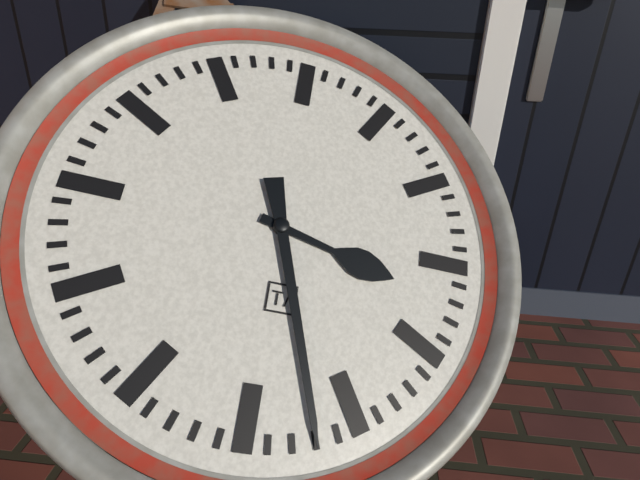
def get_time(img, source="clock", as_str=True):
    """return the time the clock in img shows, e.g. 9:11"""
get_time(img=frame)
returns 3:27
